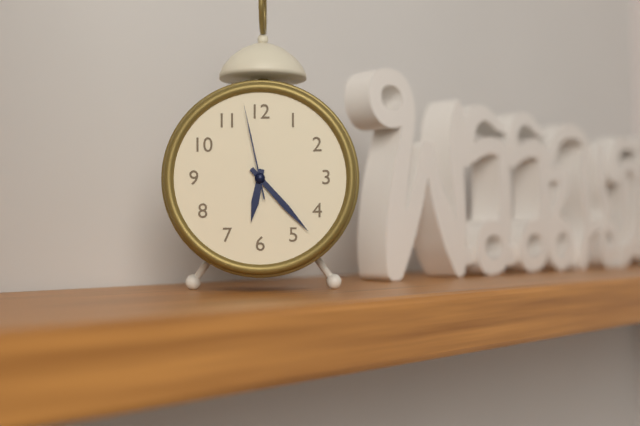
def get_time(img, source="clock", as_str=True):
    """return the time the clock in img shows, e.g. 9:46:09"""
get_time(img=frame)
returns 6:23:58
